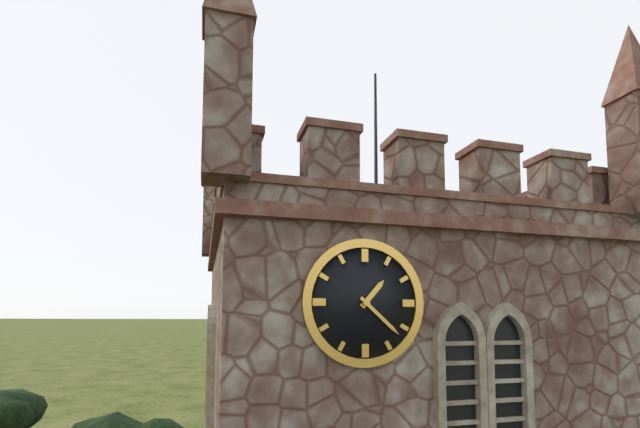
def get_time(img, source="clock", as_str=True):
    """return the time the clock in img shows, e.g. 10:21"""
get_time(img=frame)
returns 1:22
